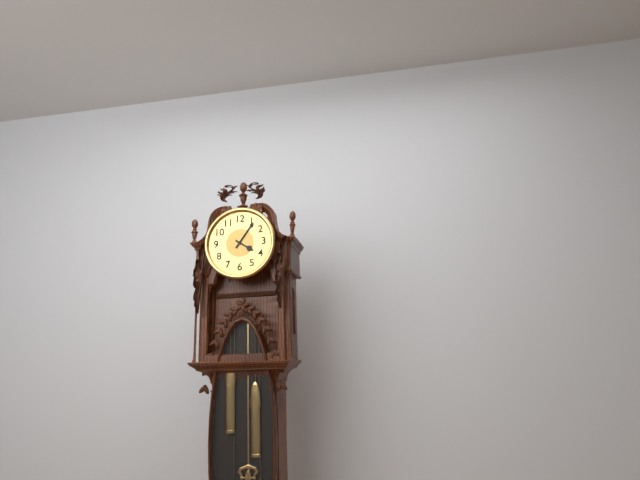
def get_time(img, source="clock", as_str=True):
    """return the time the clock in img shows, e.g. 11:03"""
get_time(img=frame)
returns 4:06
